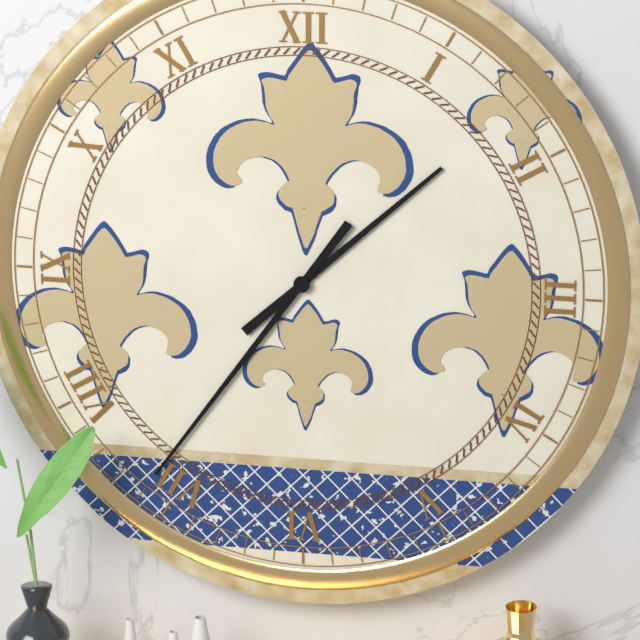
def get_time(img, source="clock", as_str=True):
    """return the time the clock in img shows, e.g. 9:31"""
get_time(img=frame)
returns 1:36
